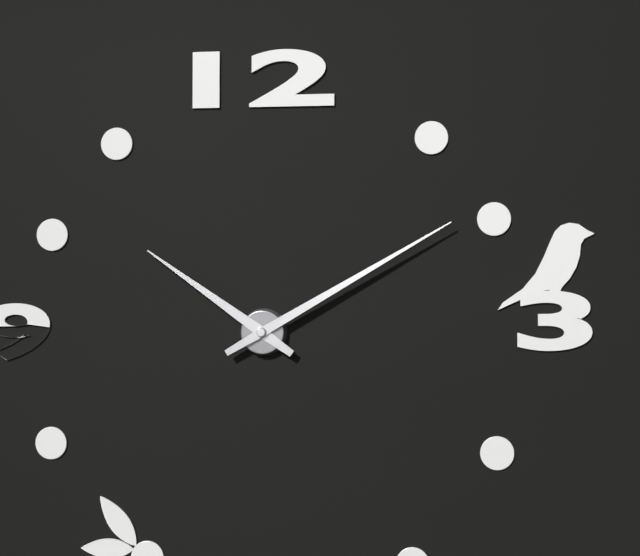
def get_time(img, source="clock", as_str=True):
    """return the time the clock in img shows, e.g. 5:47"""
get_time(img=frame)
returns 10:10
